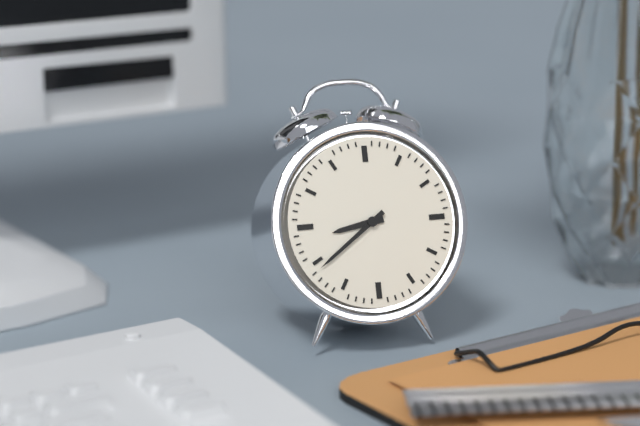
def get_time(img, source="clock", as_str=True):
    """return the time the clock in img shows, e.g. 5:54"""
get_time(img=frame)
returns 8:39
